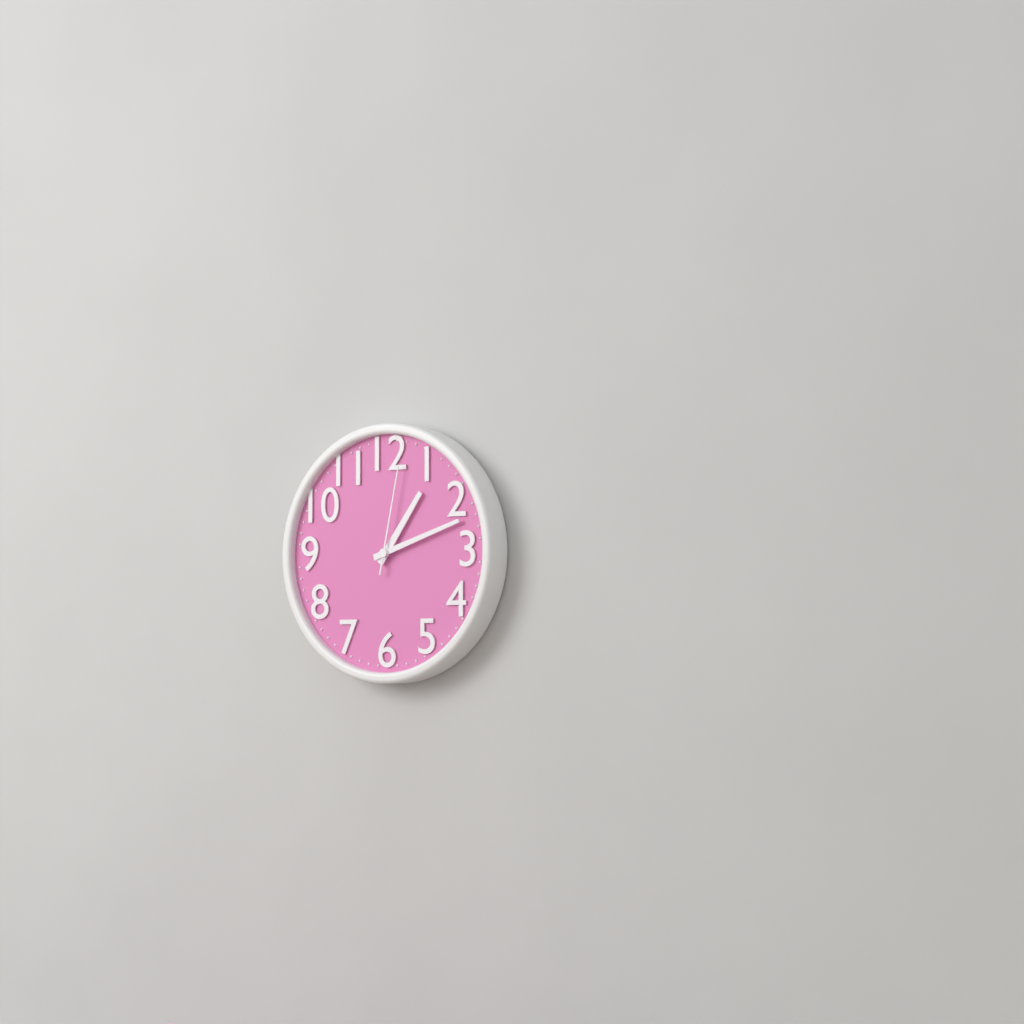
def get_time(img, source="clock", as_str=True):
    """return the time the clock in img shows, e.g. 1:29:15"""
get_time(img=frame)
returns 1:12:02
